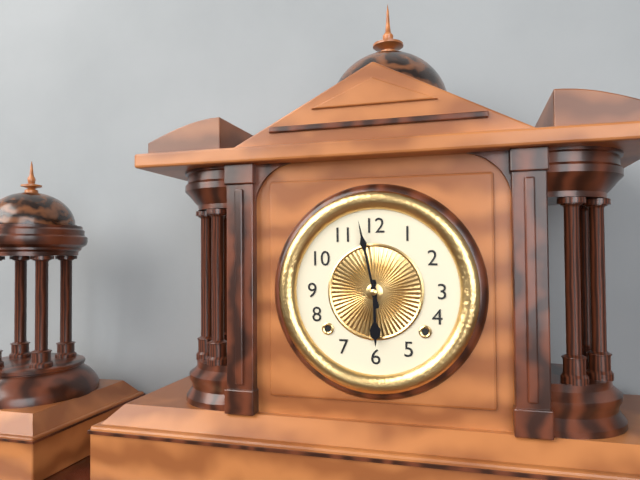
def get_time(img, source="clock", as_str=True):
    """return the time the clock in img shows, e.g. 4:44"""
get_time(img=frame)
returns 5:58
